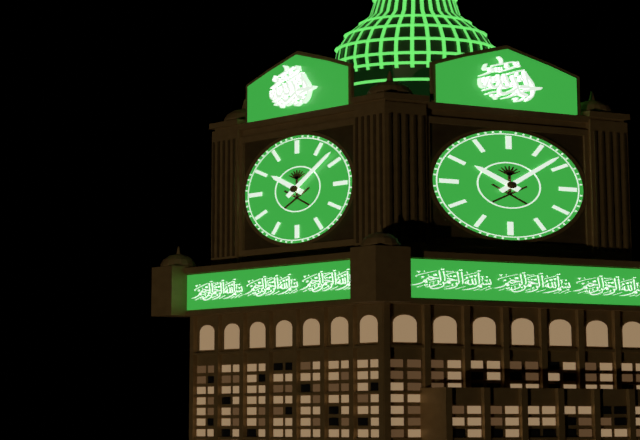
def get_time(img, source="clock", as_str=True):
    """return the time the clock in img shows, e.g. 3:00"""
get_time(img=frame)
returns 10:08
